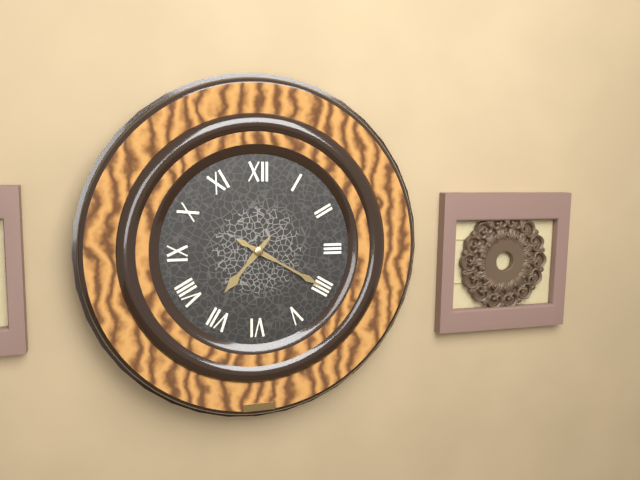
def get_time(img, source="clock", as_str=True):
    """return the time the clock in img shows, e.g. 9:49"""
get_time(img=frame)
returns 7:20
